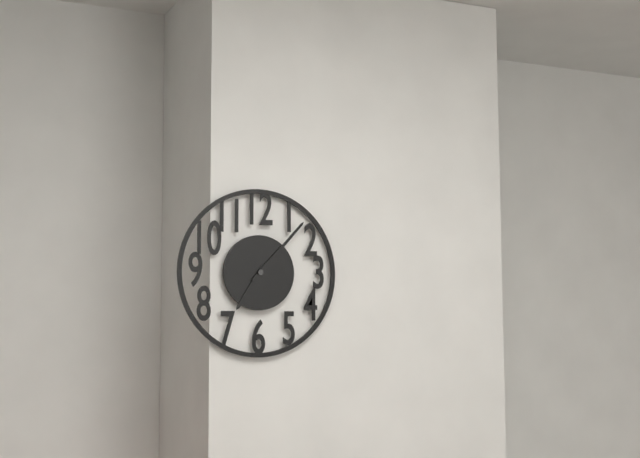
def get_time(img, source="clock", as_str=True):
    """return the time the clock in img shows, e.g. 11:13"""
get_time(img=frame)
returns 7:07
